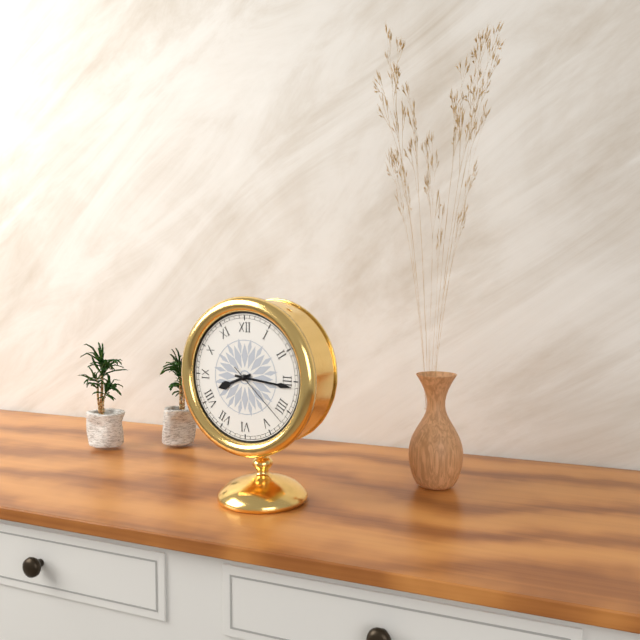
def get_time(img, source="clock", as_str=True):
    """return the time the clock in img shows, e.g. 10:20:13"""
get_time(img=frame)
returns 8:16:22
